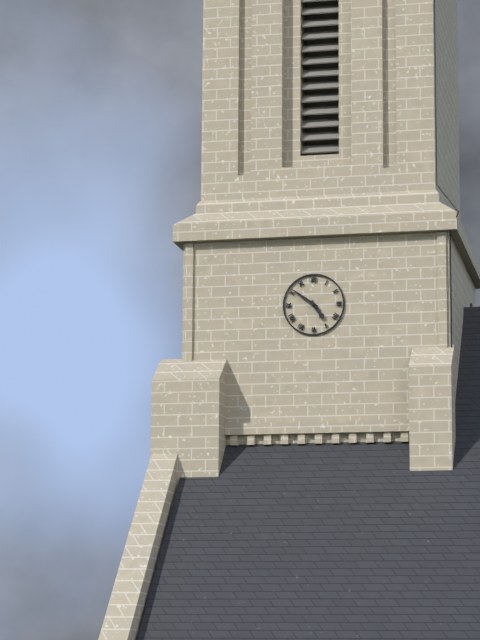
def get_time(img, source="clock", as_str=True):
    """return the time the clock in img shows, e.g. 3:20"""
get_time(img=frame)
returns 4:51
